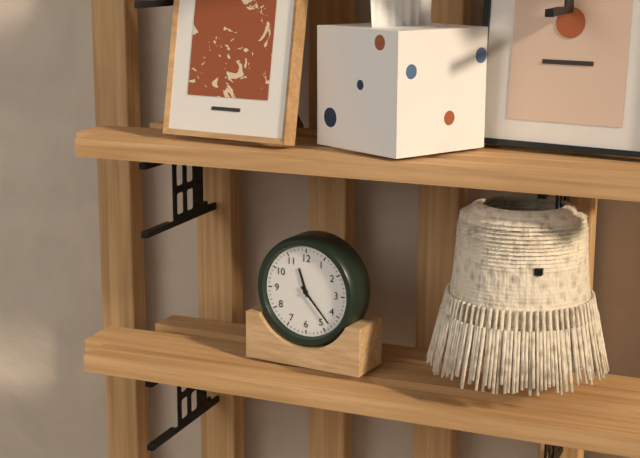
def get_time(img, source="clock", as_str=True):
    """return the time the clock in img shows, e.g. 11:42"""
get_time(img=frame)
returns 11:23
